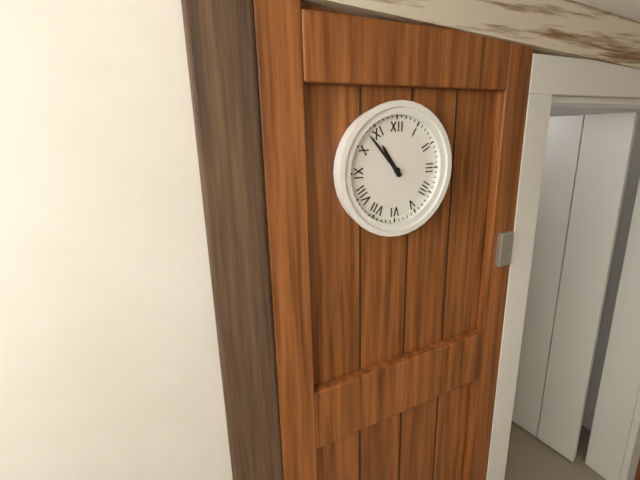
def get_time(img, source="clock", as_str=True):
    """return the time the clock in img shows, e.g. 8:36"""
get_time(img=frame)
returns 10:53
